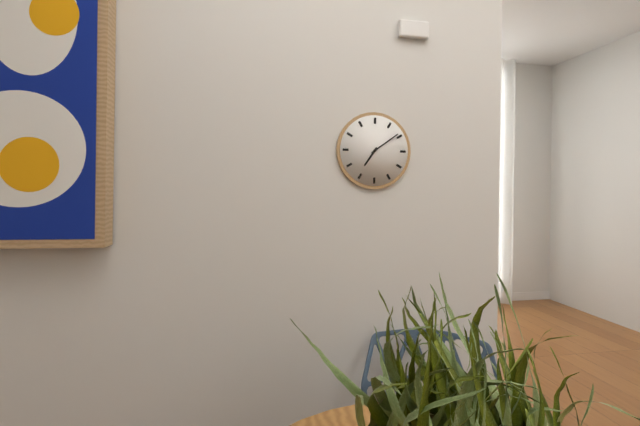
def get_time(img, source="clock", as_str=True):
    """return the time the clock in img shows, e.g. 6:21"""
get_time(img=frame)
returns 7:09
